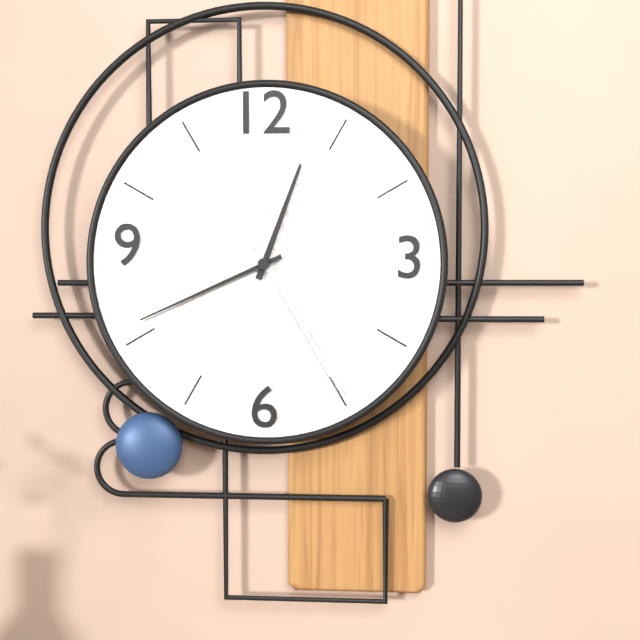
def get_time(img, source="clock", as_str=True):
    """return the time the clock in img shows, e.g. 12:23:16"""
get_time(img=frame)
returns 12:41:25
